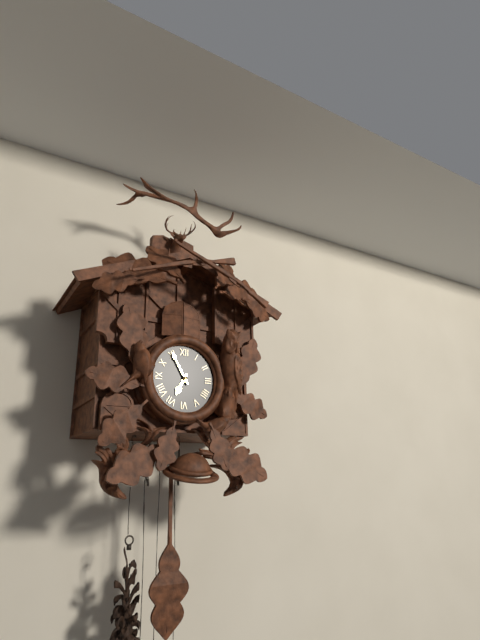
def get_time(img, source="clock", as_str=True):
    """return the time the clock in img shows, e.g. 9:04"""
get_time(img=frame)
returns 6:55
